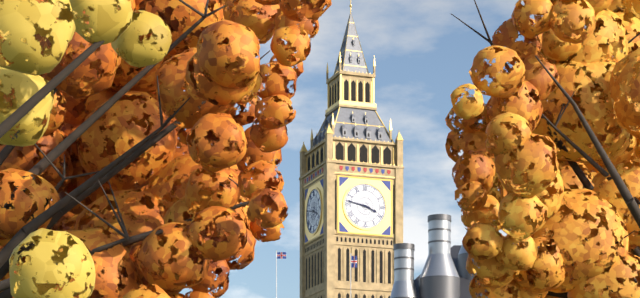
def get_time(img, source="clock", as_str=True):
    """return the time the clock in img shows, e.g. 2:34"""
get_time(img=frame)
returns 3:47
